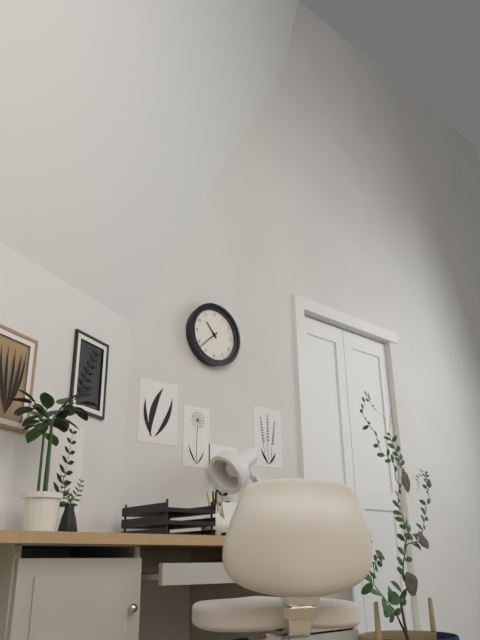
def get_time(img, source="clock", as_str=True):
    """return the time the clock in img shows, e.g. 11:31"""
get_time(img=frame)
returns 10:38
